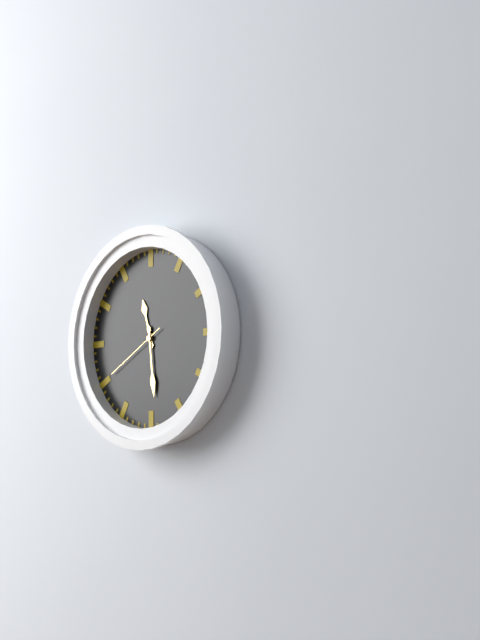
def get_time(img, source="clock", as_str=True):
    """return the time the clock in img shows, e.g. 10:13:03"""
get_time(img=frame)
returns 11:29:40
